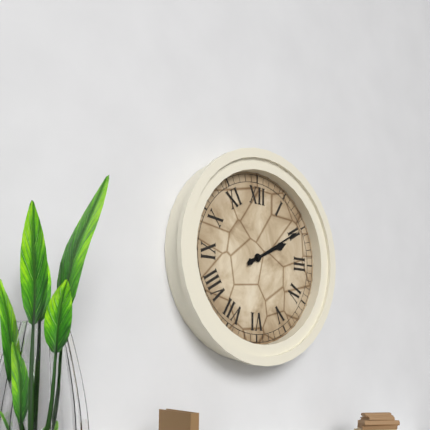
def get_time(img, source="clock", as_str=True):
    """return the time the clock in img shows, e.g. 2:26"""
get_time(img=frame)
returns 2:10
